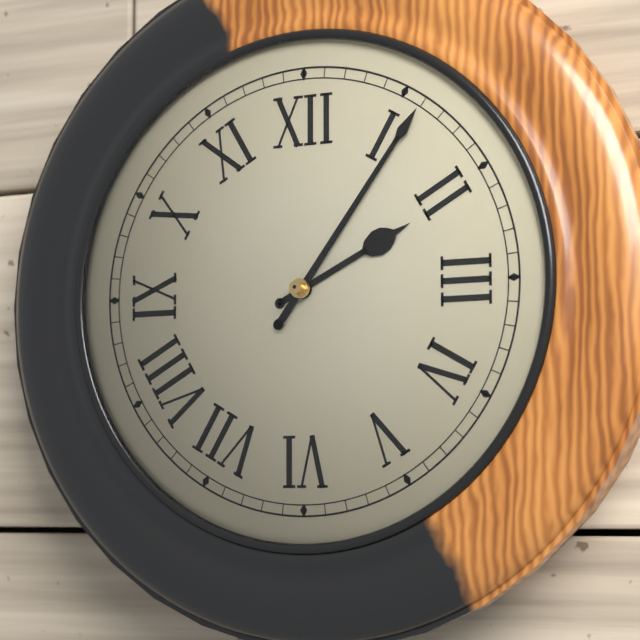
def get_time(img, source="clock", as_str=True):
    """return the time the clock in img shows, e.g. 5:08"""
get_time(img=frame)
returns 2:06
